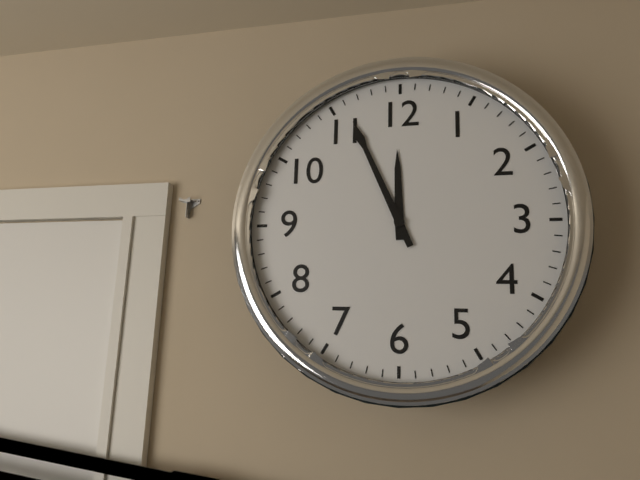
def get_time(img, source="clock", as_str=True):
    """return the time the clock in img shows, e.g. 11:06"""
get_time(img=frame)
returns 11:56
